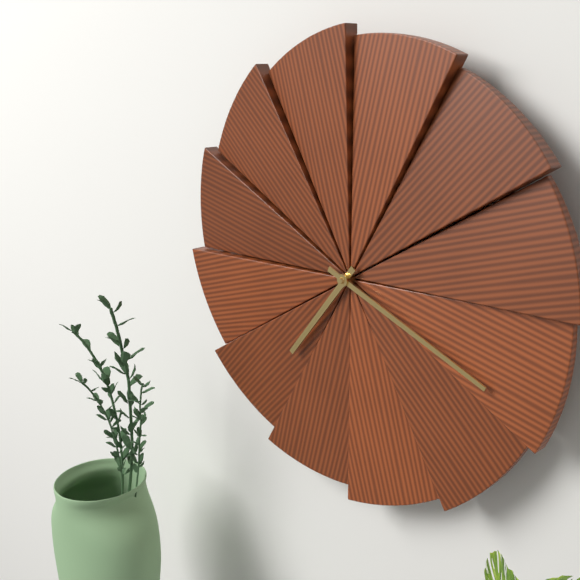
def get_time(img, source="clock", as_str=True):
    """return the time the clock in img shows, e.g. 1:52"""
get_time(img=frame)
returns 7:19
